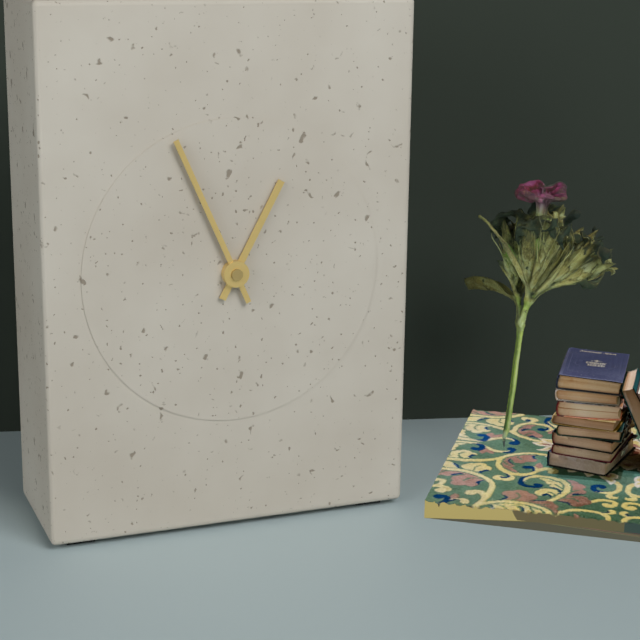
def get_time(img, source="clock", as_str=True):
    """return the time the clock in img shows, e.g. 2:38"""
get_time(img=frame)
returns 12:56
